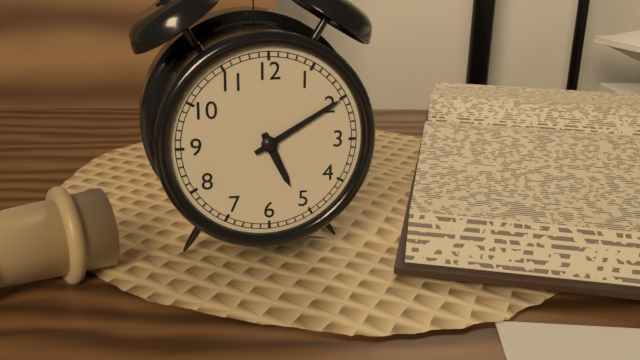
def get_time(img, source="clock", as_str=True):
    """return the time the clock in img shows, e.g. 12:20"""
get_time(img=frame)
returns 5:10
